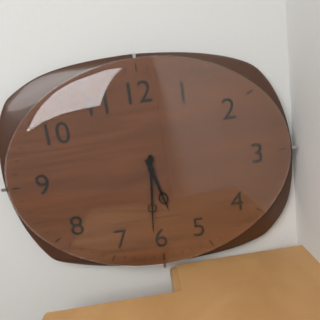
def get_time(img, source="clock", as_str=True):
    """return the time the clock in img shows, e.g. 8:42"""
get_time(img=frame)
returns 5:31
